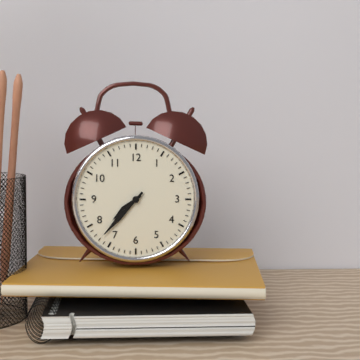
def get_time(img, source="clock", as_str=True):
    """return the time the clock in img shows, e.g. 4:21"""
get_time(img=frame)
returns 7:37
